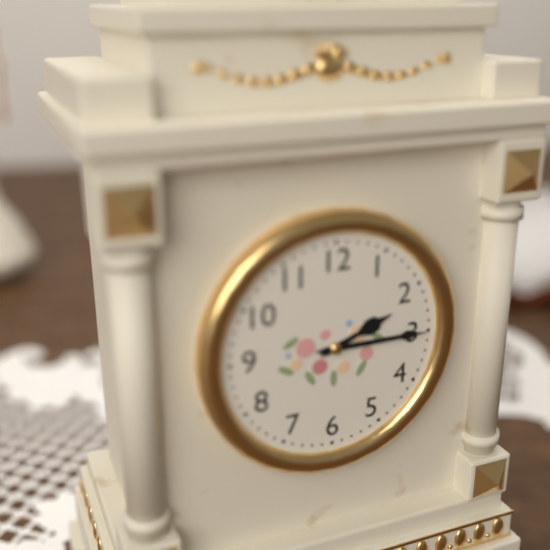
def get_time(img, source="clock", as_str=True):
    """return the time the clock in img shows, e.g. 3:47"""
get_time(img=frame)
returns 2:15
